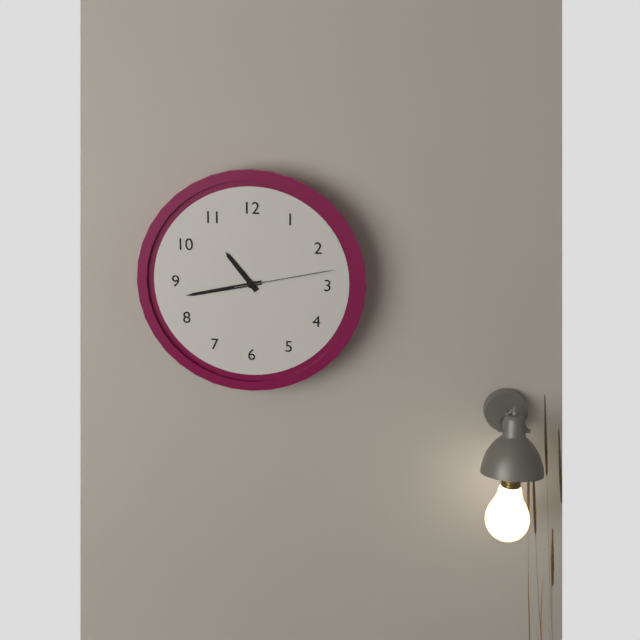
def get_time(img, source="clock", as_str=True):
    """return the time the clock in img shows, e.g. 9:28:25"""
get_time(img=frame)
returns 10:43:13
